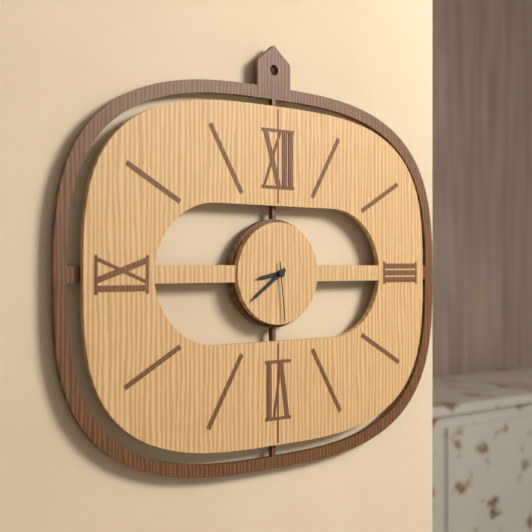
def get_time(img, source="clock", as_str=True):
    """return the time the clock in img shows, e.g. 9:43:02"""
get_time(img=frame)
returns 8:39:29
